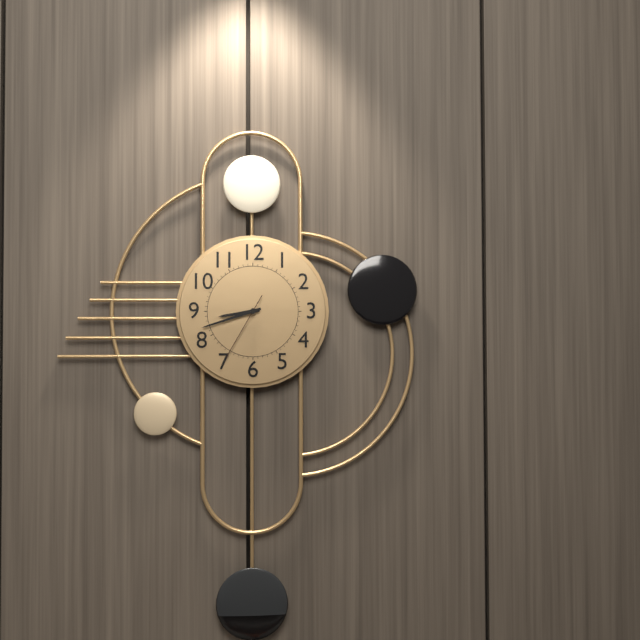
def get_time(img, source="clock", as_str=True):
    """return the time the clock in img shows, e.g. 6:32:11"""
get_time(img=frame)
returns 8:42:35
